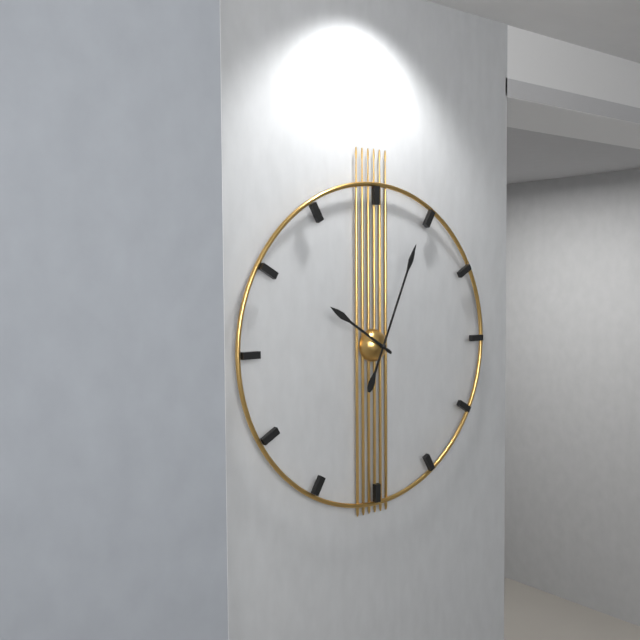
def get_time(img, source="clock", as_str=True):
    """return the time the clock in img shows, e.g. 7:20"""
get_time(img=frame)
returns 10:04
